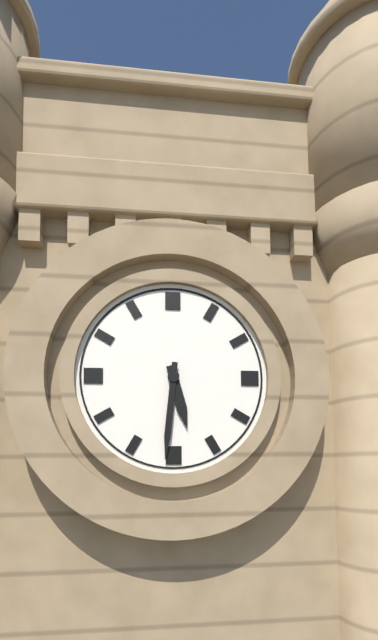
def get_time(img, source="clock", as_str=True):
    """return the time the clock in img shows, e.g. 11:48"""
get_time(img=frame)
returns 5:31
